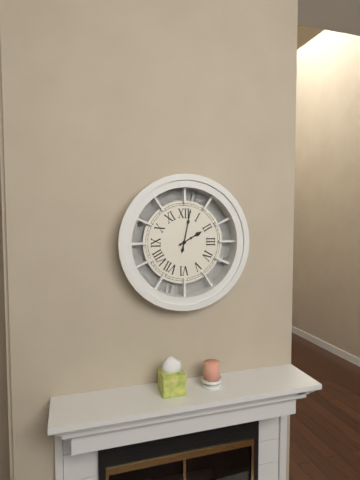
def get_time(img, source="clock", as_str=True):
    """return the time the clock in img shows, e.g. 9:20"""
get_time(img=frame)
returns 2:02
